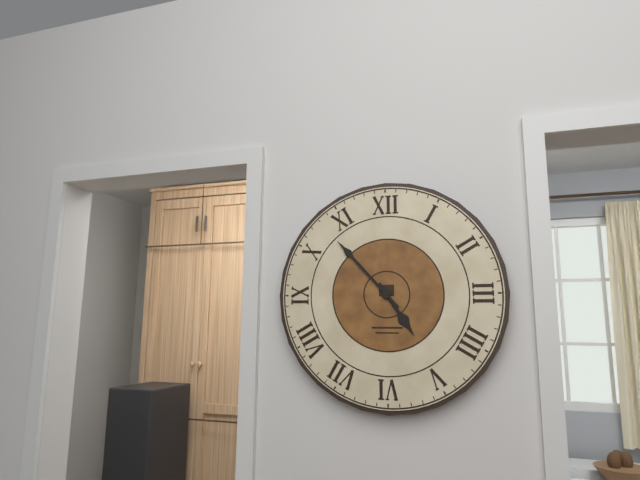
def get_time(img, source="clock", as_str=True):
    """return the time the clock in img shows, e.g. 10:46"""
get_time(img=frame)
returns 4:53
